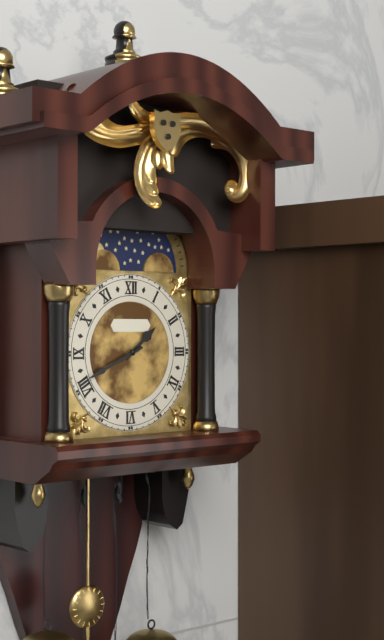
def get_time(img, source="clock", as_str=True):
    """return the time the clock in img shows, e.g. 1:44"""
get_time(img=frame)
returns 1:41
